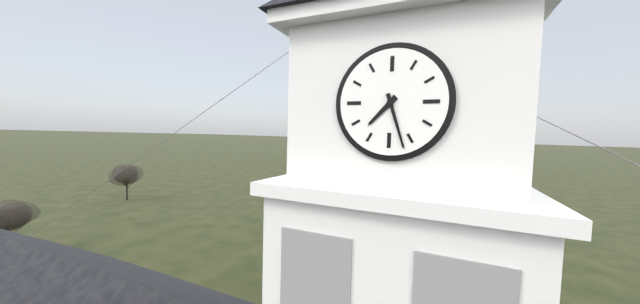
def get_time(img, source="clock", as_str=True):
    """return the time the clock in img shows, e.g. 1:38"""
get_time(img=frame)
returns 7:27
